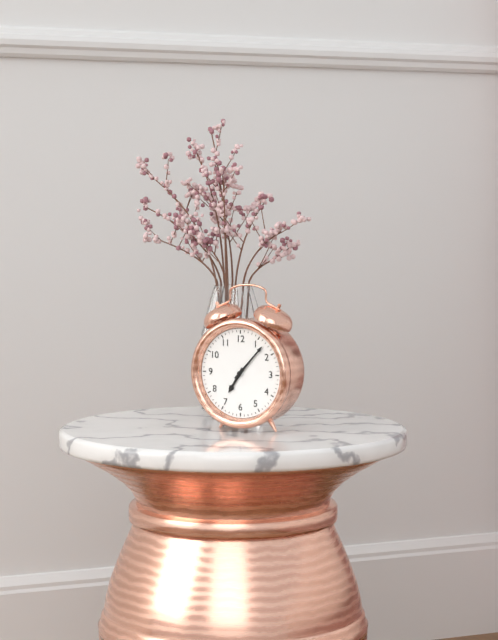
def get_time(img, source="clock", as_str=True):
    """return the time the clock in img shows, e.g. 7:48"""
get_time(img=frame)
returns 7:07
